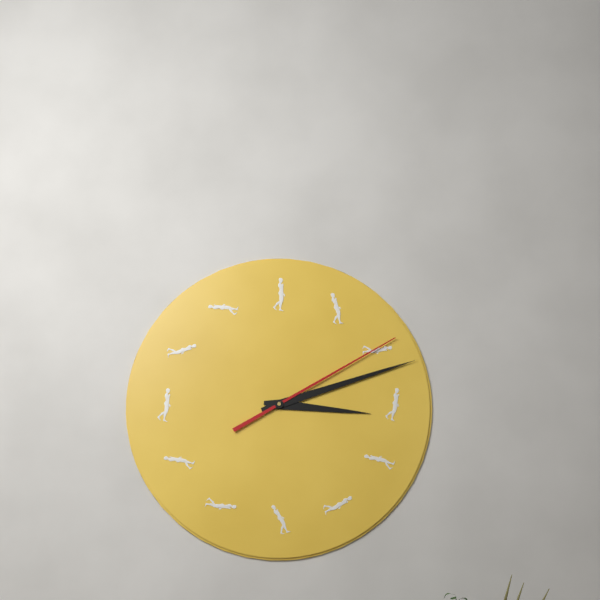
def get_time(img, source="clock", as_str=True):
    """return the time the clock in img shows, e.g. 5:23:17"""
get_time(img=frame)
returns 3:12:10
